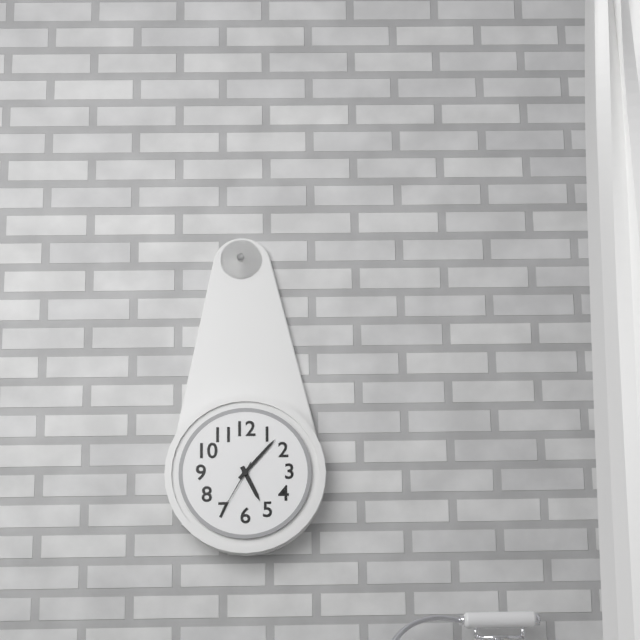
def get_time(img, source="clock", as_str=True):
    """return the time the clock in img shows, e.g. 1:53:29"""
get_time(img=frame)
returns 5:07:35
